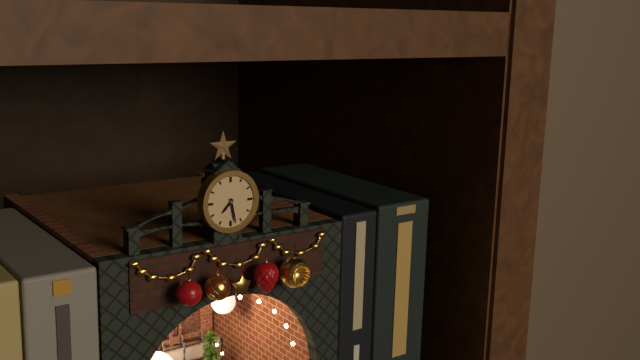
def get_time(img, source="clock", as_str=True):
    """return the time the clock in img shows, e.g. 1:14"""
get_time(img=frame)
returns 7:28
